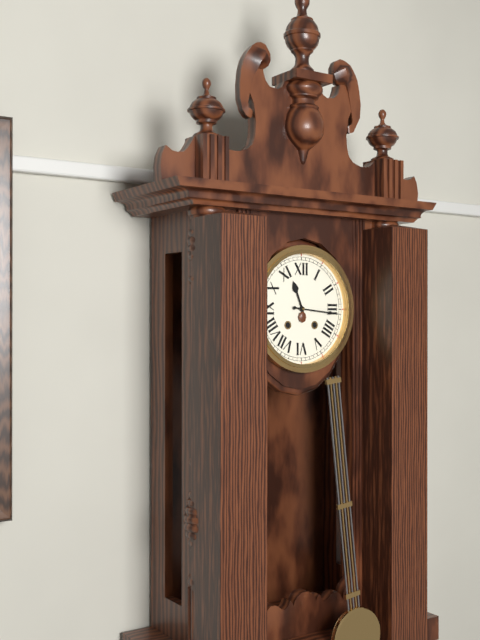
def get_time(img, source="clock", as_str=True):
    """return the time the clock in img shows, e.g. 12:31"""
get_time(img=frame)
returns 11:16
